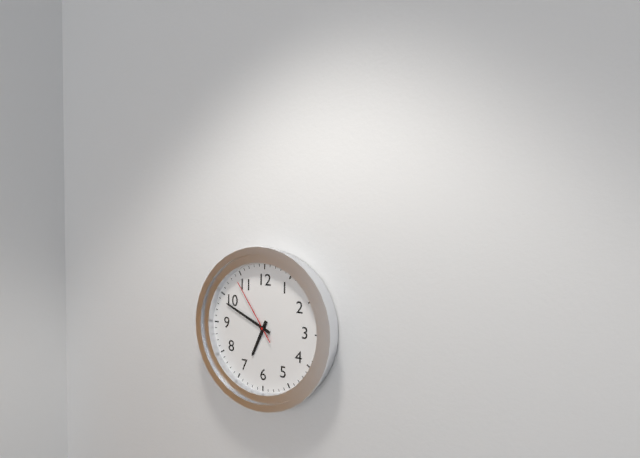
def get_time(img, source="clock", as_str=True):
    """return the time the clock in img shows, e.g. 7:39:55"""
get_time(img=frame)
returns 6:49:54
